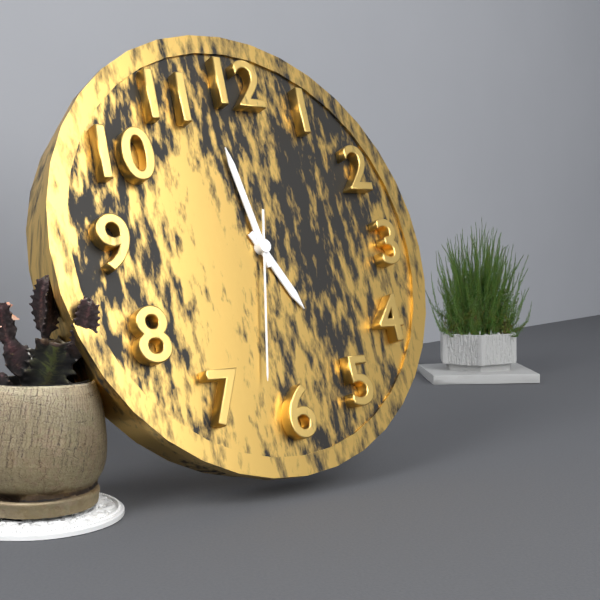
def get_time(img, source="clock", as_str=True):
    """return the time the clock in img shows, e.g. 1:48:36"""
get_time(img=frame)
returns 4:58:32
